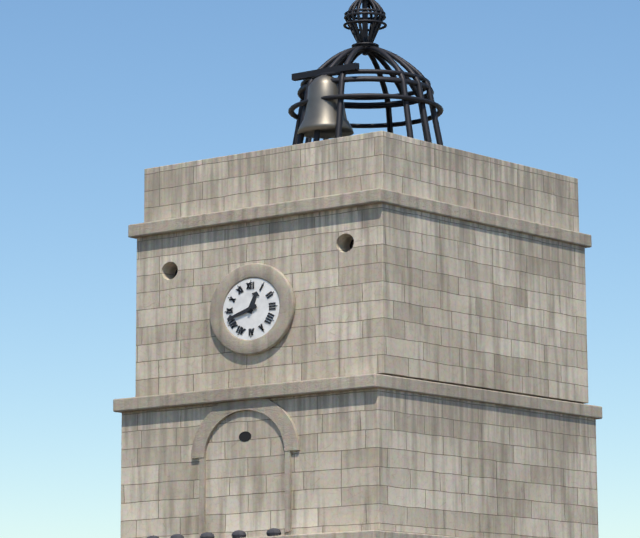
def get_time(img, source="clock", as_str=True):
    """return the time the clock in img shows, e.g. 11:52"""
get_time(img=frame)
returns 12:42
